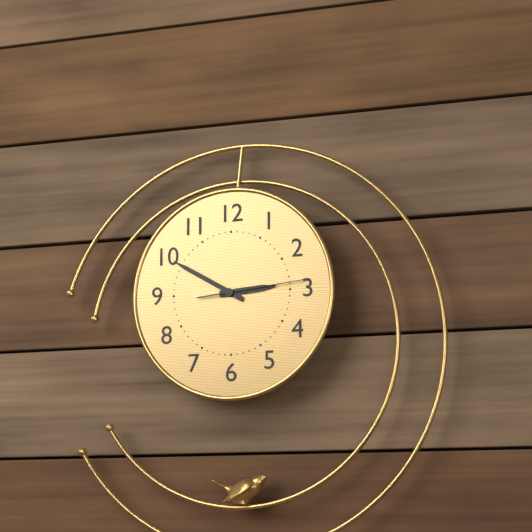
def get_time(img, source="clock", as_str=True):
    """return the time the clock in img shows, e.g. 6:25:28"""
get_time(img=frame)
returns 2:50:14
